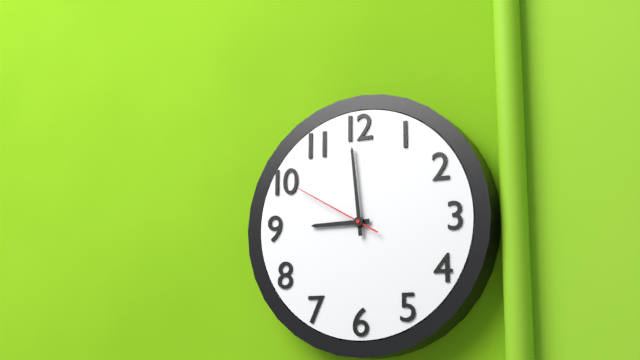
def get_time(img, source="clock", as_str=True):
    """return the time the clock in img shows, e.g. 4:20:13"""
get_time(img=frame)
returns 8:59:50
